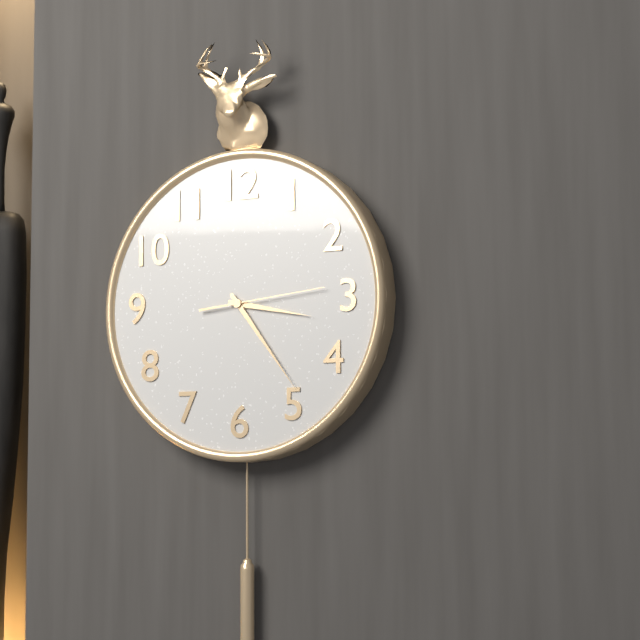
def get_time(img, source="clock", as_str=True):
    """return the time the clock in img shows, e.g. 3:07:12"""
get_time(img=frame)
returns 3:24:14
